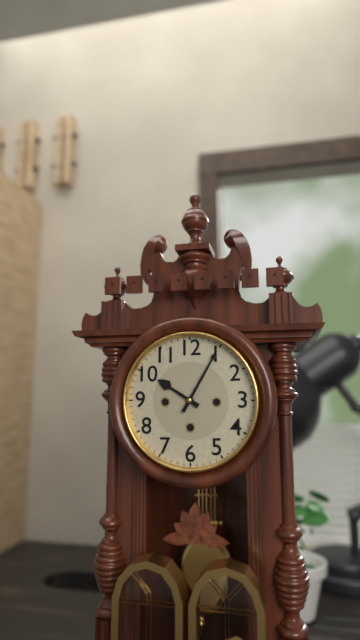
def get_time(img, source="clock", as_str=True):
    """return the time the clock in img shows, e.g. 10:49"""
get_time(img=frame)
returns 10:05
